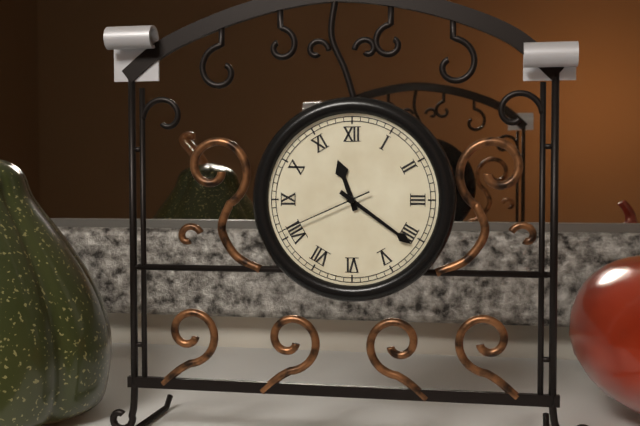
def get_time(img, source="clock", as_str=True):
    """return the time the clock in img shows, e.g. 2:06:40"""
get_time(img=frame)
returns 11:21:41
